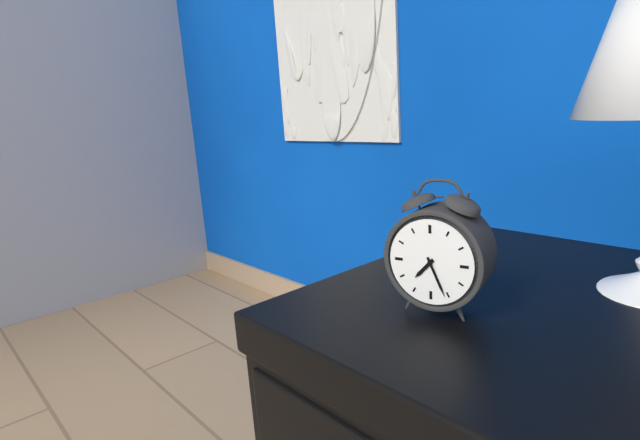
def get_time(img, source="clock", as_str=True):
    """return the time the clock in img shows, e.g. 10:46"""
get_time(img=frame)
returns 7:26
